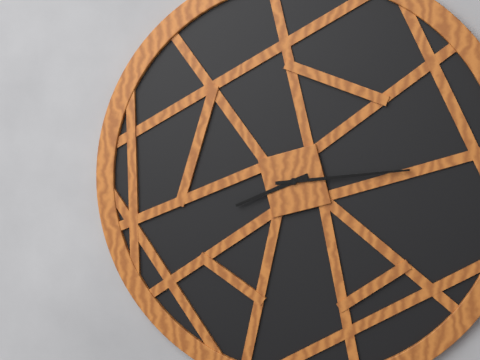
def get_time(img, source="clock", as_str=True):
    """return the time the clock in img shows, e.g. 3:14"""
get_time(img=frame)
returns 8:14
